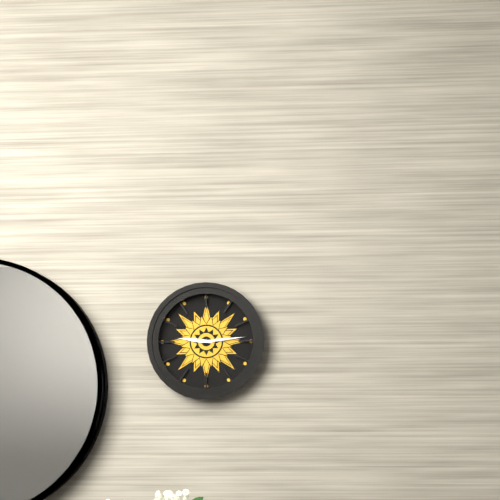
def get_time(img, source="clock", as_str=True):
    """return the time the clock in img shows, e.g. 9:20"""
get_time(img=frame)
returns 9:14
